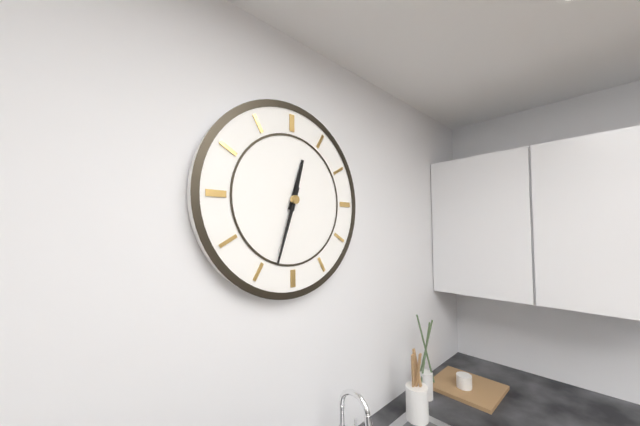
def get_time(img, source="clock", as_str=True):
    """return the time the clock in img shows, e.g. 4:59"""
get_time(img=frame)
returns 12:33
